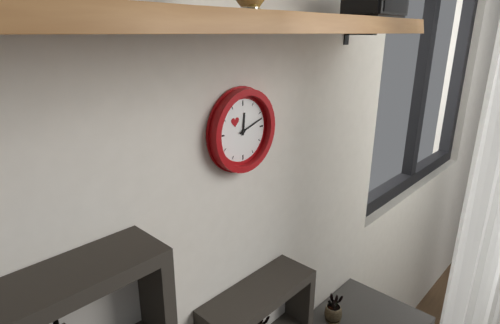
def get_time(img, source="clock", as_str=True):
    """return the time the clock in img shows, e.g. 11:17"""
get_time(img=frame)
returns 12:12
